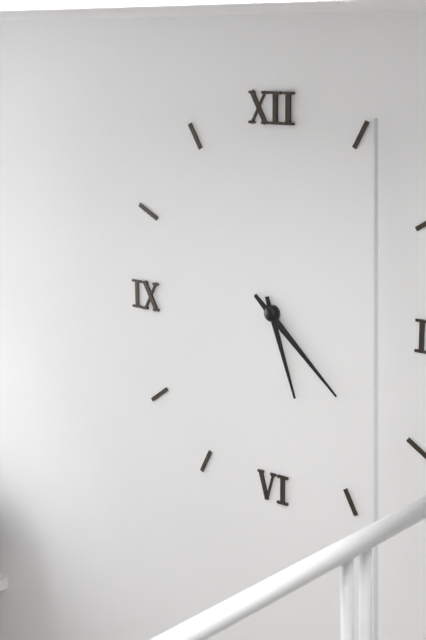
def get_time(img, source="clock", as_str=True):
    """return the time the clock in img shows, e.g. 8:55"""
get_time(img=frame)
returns 5:22
